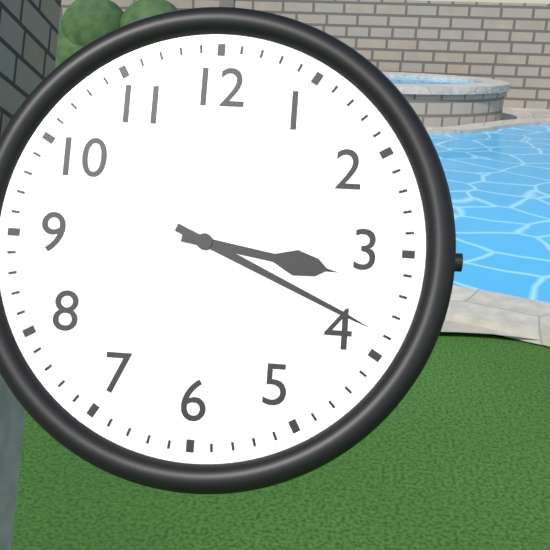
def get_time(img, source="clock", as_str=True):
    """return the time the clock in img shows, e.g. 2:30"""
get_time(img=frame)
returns 3:19
